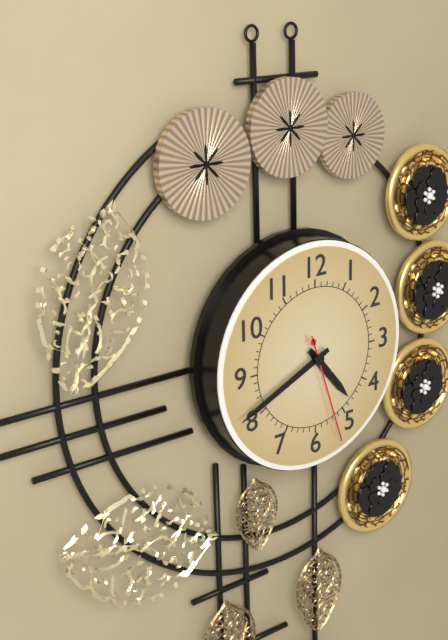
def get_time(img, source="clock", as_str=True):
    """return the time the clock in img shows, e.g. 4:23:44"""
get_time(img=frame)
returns 4:41:27
